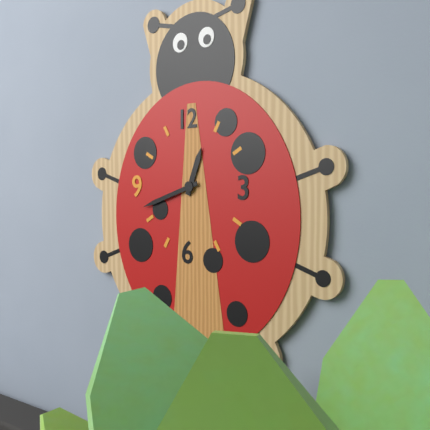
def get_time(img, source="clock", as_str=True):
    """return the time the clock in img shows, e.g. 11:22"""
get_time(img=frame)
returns 12:42
